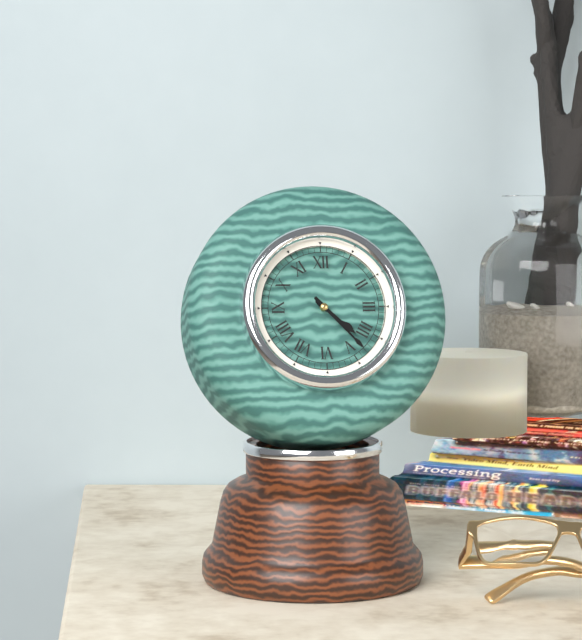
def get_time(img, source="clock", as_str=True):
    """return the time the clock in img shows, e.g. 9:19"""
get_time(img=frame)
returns 4:23
